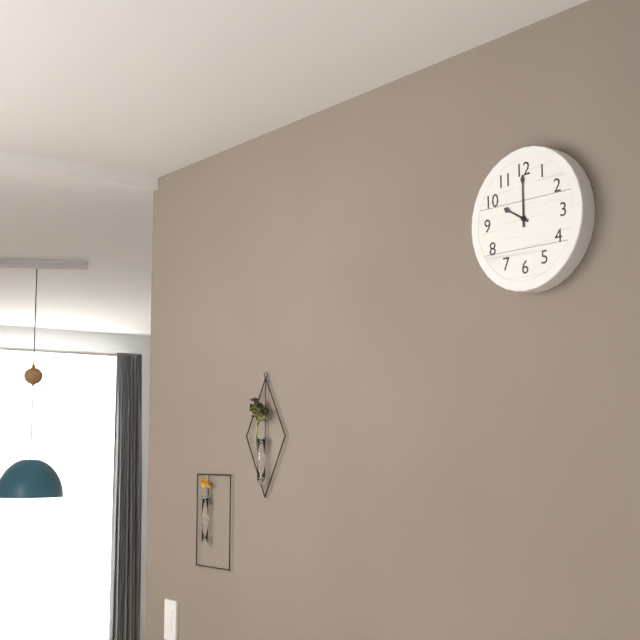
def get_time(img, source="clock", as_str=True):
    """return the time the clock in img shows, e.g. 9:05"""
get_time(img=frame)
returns 10:00
